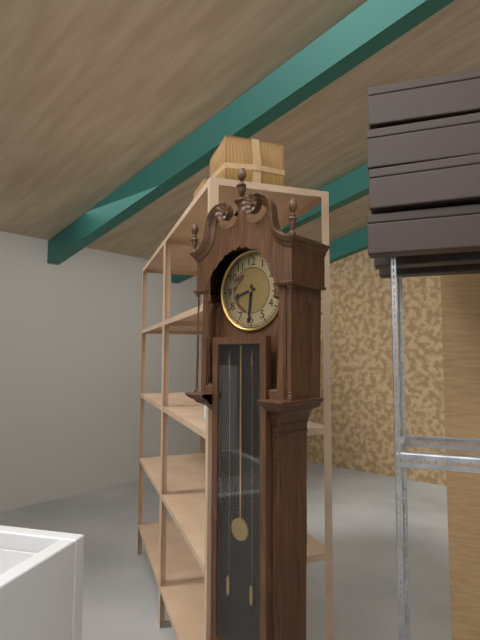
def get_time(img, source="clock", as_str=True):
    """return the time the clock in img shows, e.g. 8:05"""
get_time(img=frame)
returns 8:31
